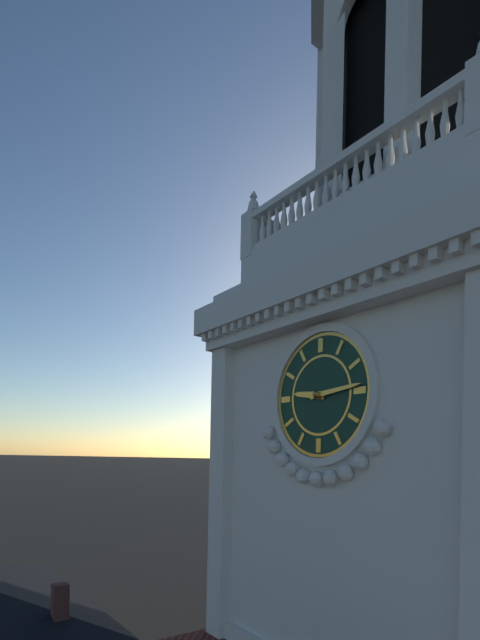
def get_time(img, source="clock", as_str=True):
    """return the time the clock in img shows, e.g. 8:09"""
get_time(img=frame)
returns 9:14
